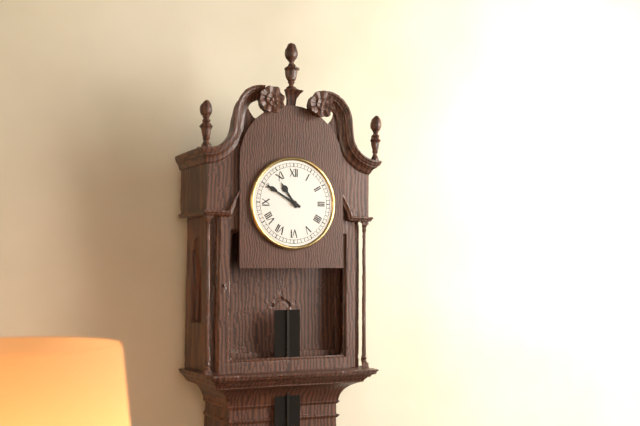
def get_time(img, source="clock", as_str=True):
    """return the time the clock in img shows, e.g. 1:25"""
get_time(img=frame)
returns 10:50
